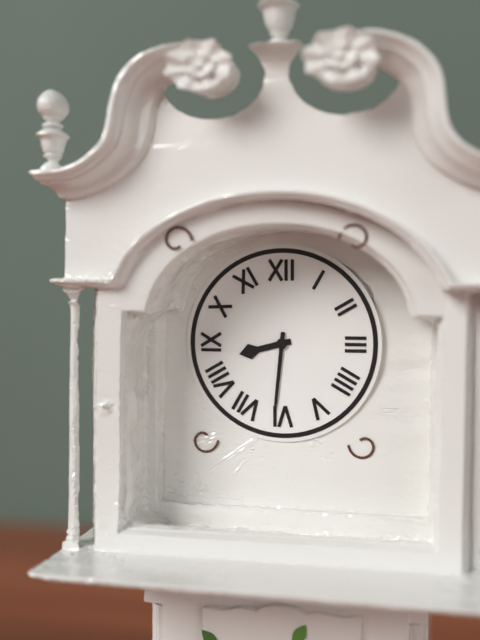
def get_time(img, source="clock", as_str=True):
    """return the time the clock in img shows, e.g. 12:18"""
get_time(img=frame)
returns 8:31
